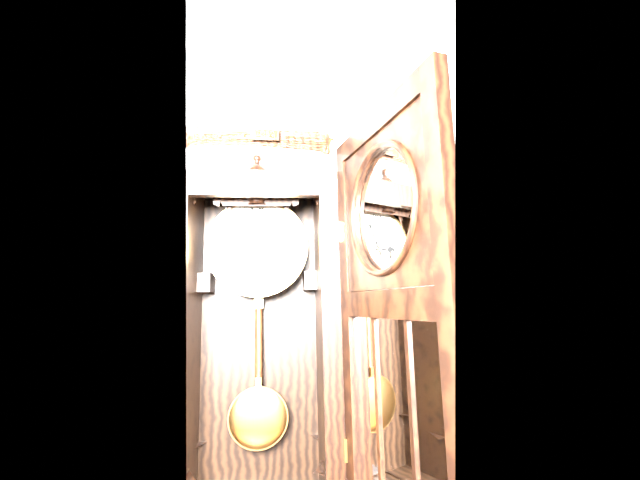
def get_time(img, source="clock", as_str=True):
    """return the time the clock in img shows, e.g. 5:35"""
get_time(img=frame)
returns 9:04
